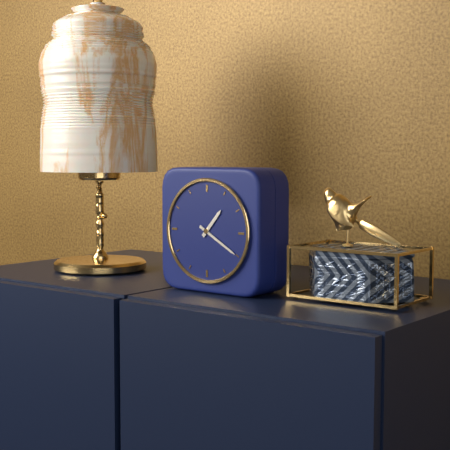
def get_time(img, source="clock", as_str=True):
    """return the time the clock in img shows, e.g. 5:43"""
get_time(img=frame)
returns 1:20
